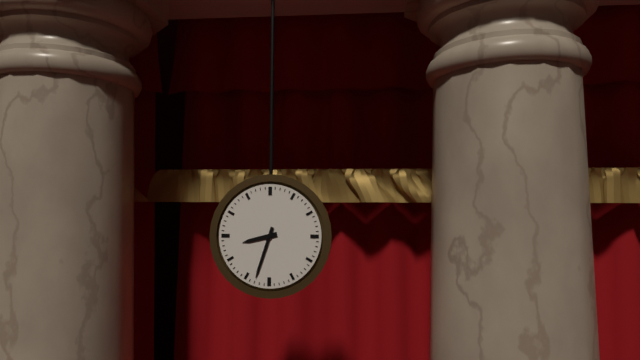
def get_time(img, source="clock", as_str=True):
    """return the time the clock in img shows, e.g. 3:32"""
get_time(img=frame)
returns 8:33
